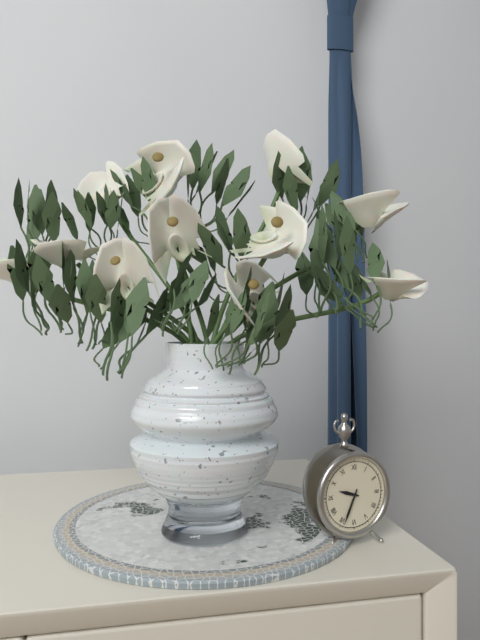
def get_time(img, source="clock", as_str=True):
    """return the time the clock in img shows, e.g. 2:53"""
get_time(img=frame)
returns 9:34
